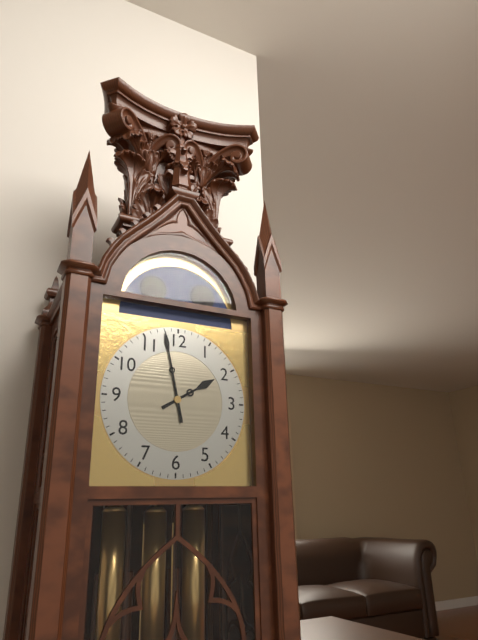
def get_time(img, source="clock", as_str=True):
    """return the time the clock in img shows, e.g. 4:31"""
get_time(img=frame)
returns 1:58
